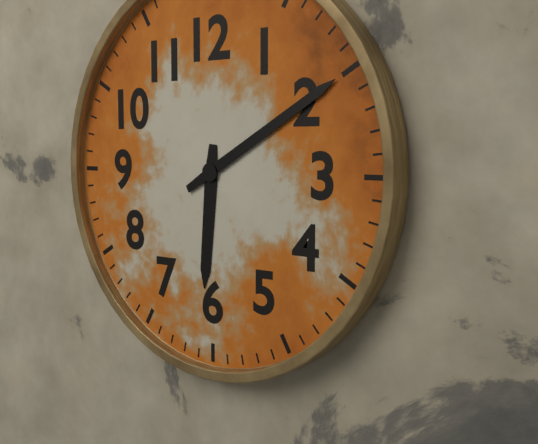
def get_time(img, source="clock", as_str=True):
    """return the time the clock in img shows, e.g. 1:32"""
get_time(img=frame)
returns 6:10
